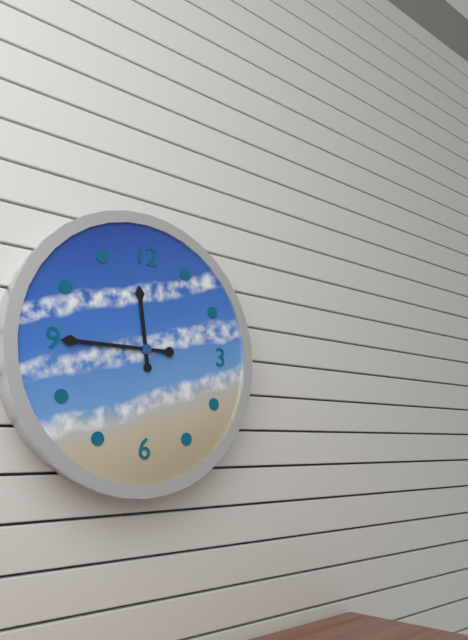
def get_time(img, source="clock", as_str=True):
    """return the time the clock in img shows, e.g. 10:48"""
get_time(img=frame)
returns 11:45
